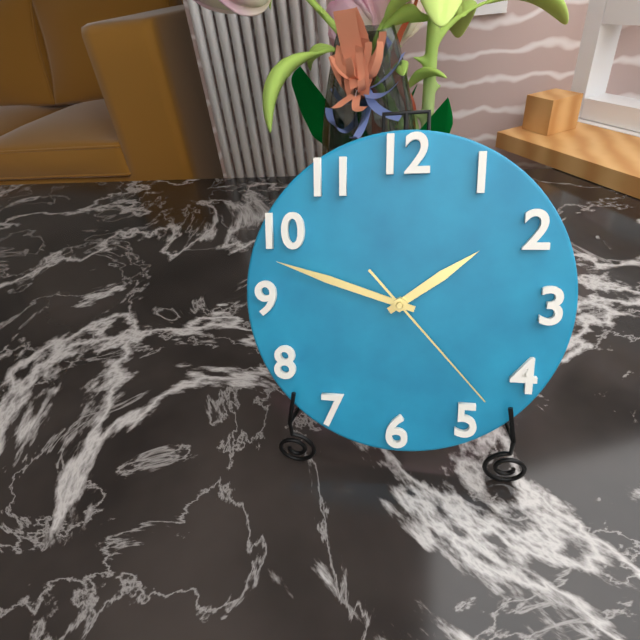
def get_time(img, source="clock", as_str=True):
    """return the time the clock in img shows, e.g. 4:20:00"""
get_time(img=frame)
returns 1:48:23
